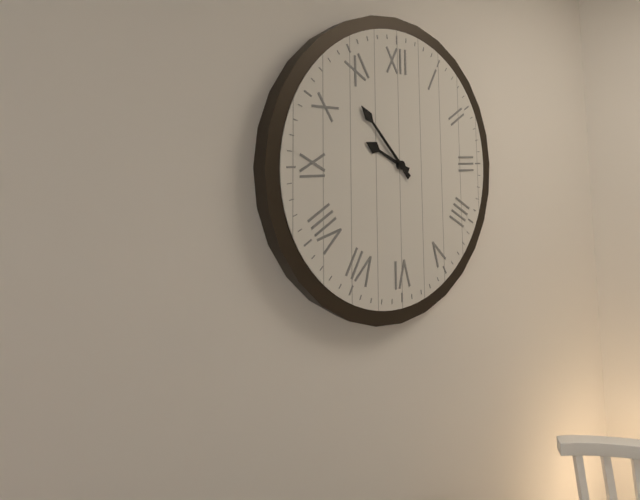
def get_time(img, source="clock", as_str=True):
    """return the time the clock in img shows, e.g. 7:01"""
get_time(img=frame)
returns 9:53
